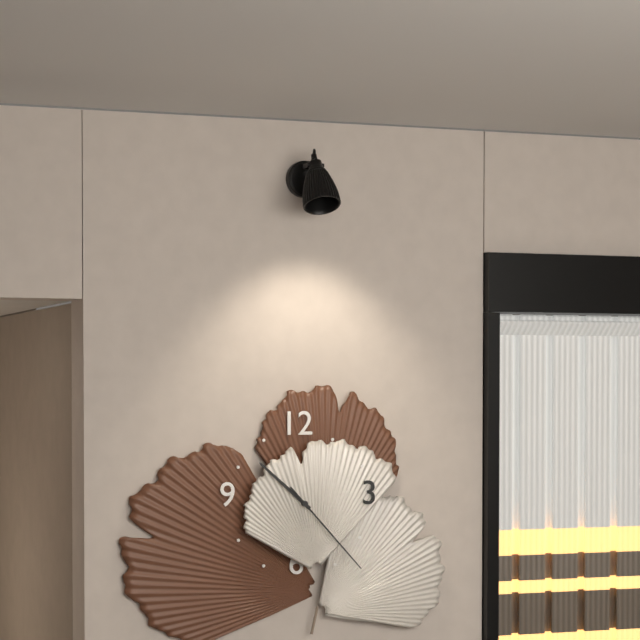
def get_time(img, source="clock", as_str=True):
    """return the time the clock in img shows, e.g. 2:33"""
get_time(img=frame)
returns 10:23
